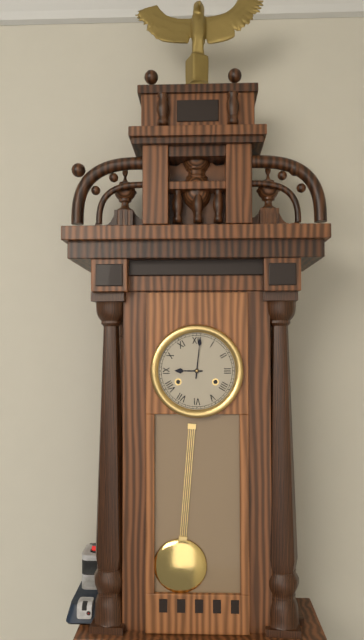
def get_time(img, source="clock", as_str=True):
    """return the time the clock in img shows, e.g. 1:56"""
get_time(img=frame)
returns 9:01
